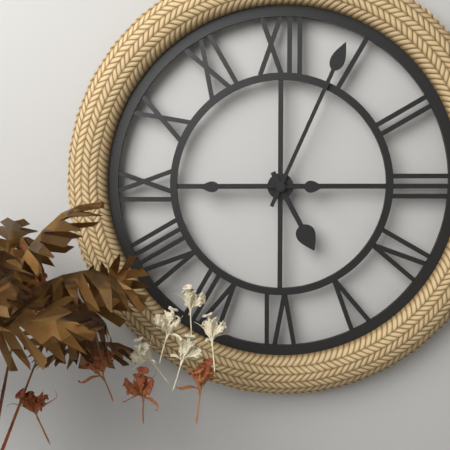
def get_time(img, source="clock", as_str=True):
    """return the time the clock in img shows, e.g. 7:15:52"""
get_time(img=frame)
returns 5:04:45
